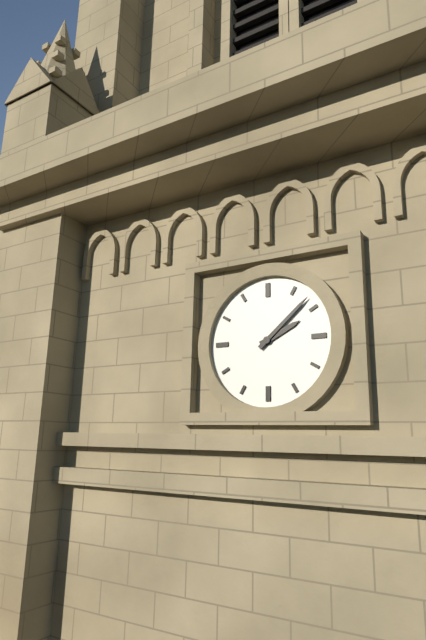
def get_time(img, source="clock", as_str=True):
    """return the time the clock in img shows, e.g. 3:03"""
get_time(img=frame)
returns 2:08
